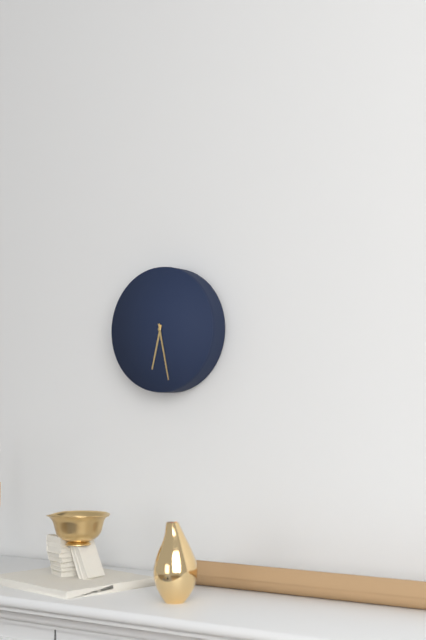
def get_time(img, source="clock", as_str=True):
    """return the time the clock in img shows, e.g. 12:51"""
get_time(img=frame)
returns 6:28
